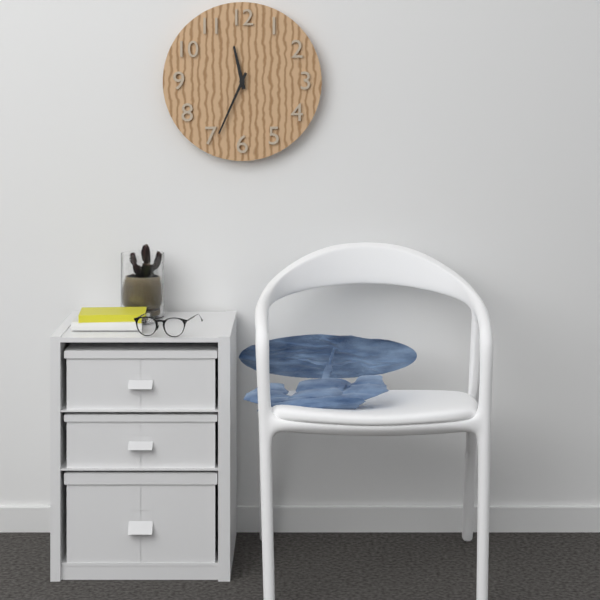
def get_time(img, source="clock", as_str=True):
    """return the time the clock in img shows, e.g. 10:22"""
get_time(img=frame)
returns 11:34
